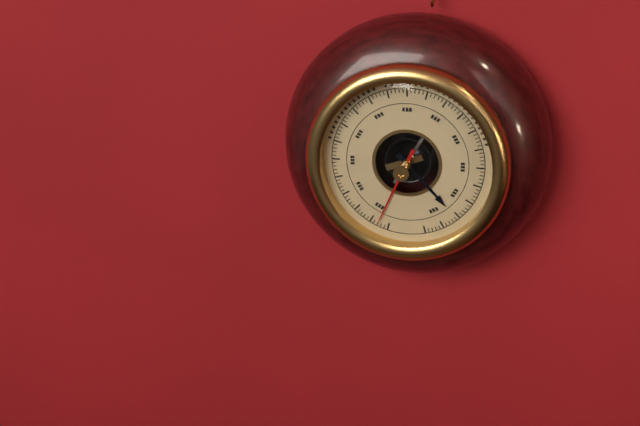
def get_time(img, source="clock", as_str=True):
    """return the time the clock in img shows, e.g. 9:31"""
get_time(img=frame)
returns 4:34
